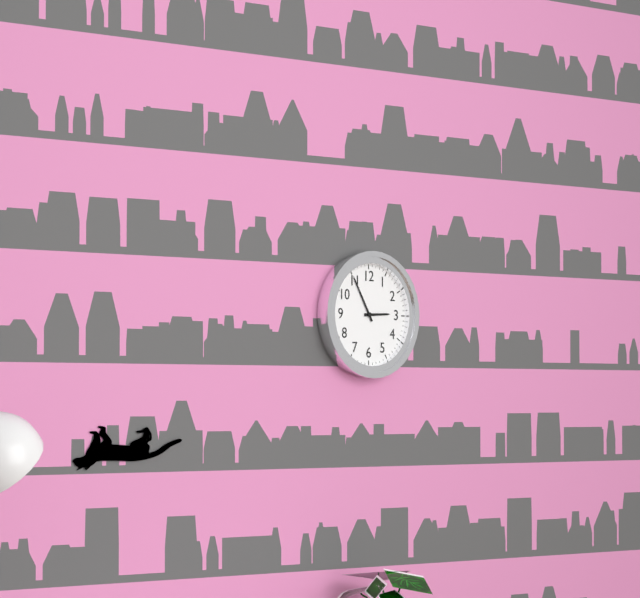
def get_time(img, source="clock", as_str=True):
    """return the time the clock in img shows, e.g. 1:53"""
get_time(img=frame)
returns 2:55
